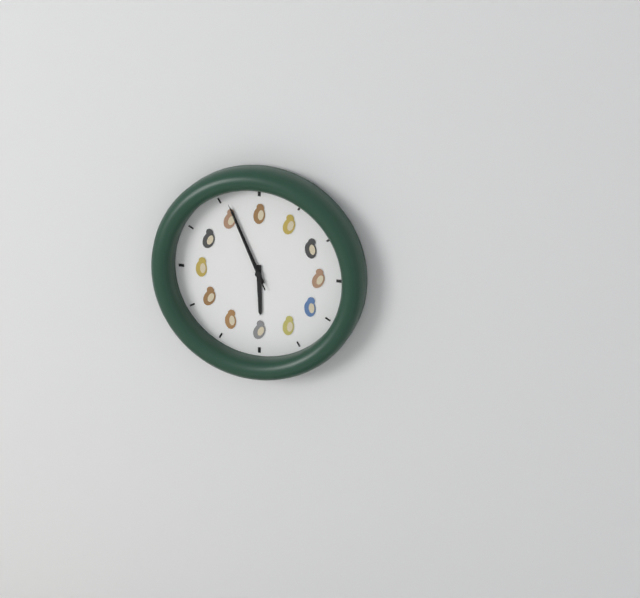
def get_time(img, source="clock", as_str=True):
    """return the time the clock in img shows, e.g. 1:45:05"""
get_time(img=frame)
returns 5:56:56
